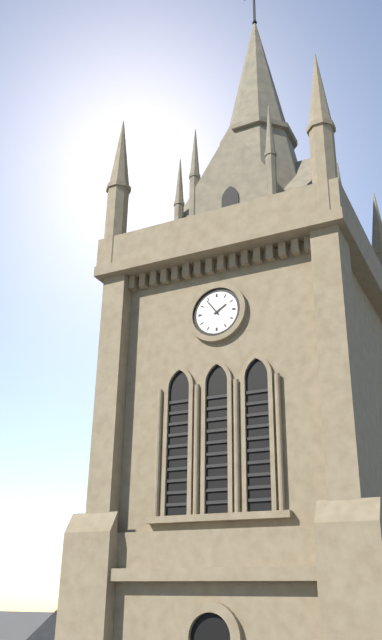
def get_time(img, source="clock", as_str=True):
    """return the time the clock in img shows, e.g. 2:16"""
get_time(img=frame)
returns 1:54
